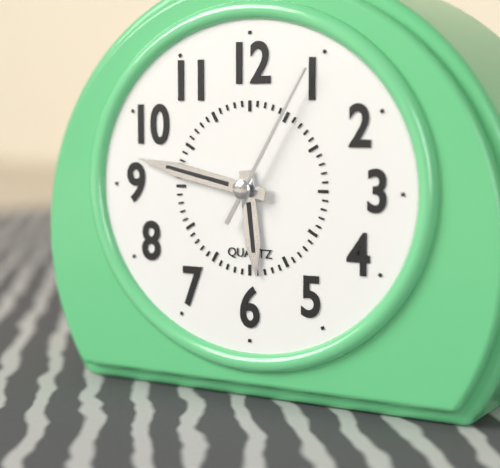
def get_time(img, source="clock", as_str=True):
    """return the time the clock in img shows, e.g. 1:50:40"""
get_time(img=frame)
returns 5:47:05
